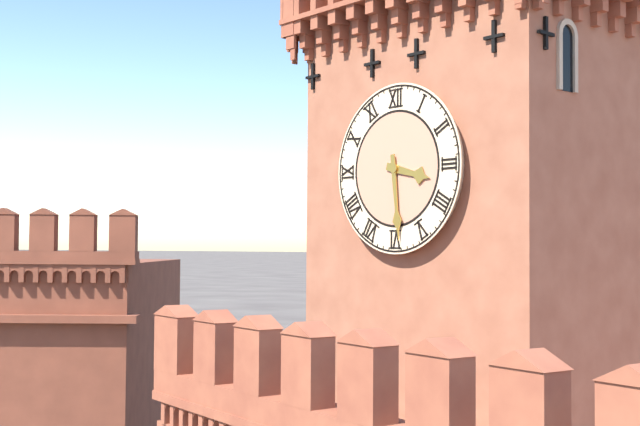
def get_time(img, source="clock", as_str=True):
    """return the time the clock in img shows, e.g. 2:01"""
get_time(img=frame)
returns 3:29
